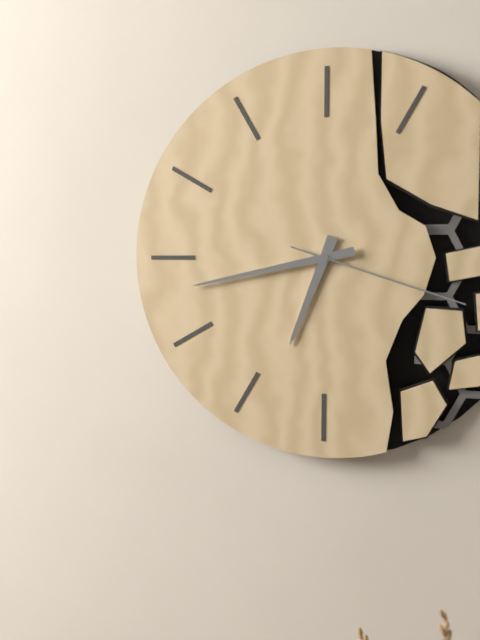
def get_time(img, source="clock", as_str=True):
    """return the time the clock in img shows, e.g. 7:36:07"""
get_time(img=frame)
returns 6:43:18
